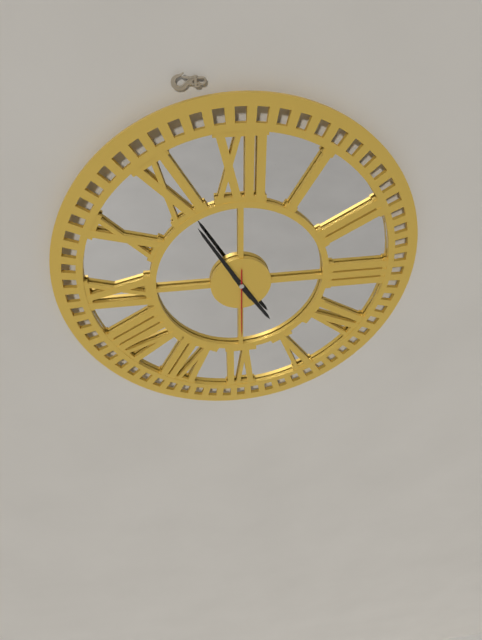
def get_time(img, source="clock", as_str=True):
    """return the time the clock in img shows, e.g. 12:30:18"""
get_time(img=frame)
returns 4:55:30
